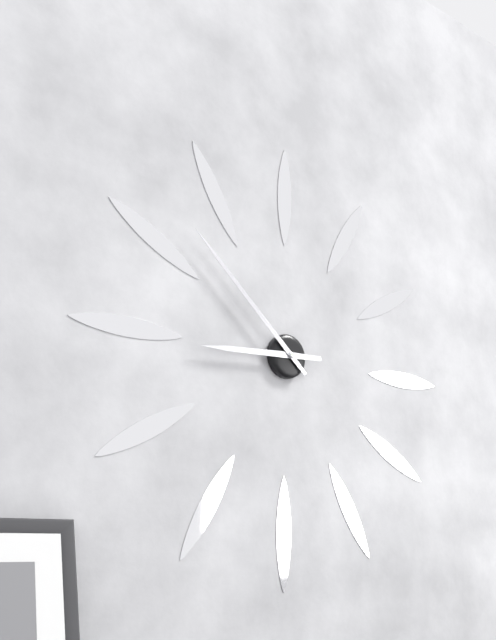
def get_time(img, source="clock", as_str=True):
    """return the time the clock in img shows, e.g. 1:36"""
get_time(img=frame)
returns 8:52
